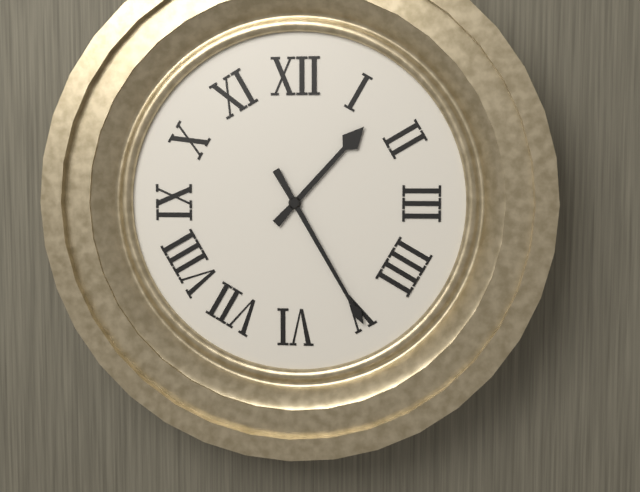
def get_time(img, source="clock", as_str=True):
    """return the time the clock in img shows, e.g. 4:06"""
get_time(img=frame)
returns 1:25
